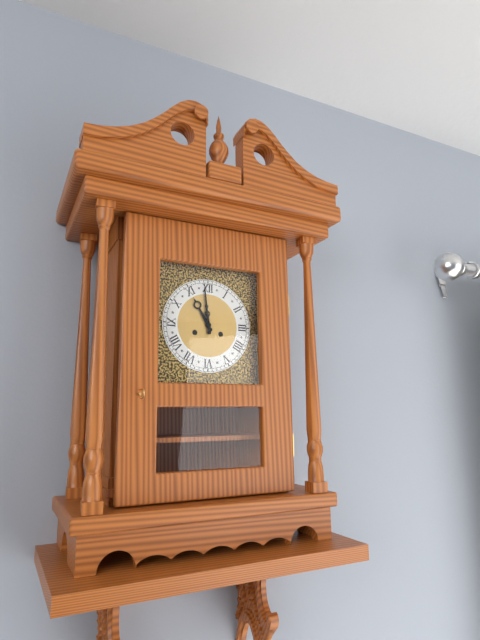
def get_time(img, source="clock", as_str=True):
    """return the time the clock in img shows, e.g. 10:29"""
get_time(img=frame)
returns 10:59
